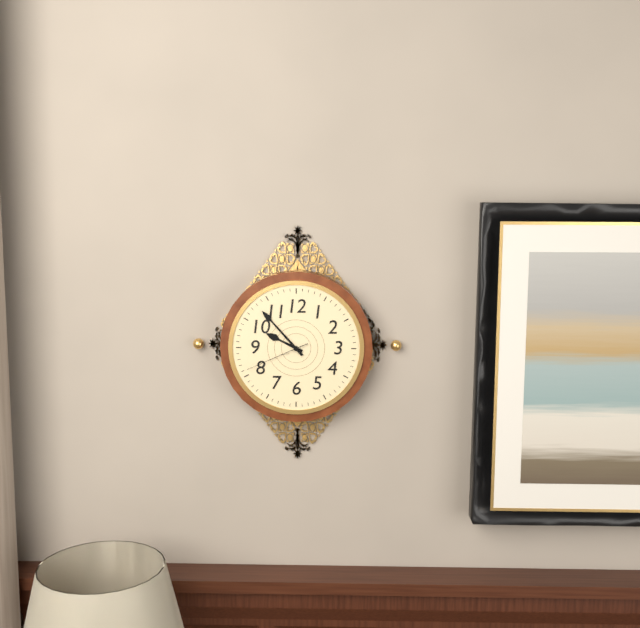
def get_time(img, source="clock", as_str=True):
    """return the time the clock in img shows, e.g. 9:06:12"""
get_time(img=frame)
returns 9:53:41
